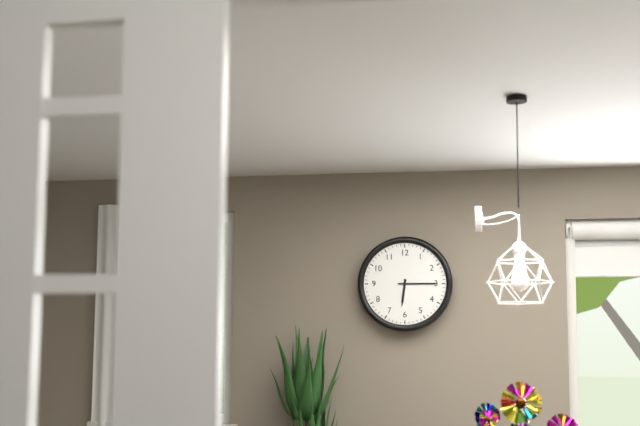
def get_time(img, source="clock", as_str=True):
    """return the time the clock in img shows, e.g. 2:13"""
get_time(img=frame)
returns 6:15
